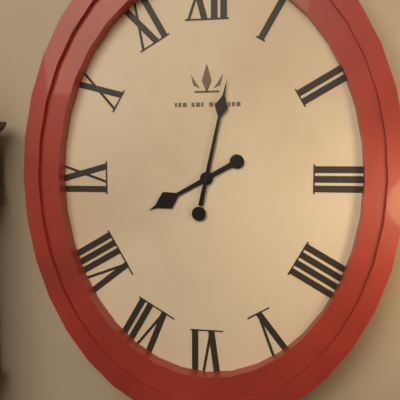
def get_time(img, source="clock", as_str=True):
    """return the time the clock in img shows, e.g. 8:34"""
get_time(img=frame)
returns 8:02
